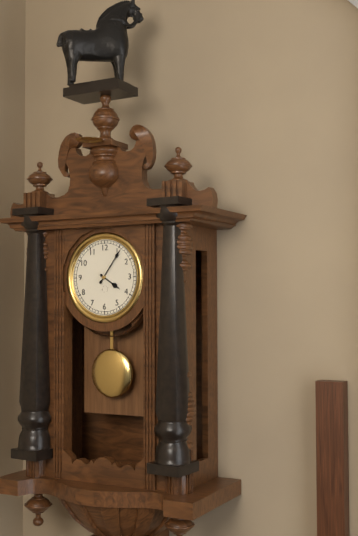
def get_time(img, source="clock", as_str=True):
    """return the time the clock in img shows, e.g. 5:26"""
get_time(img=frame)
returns 4:06
